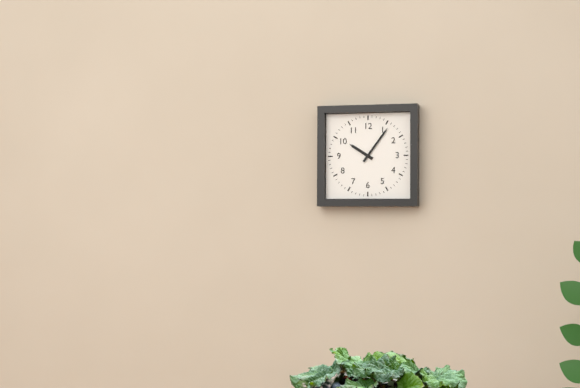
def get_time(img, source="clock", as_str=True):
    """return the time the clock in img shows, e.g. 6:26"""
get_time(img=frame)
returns 10:06
